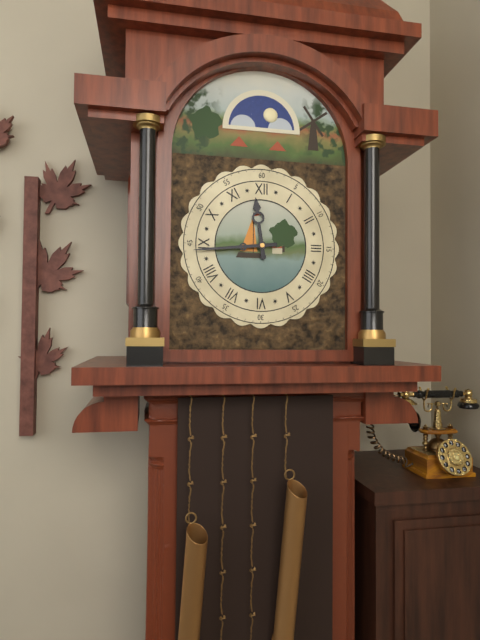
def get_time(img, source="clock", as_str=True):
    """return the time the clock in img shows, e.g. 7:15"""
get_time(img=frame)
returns 11:44
